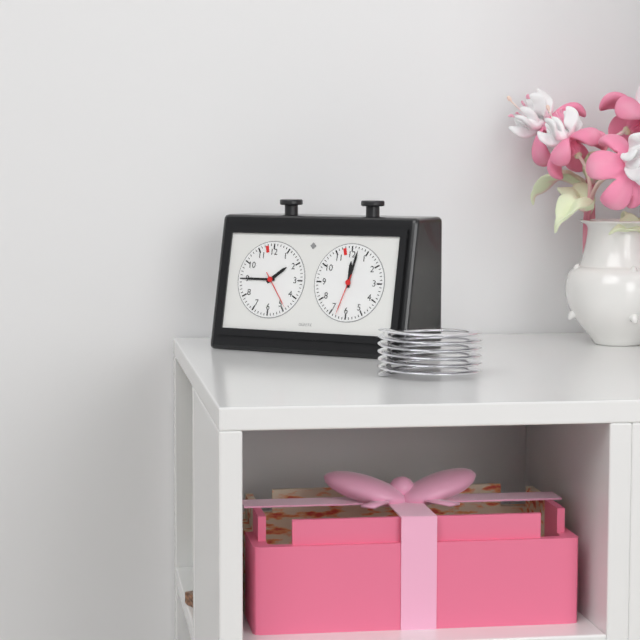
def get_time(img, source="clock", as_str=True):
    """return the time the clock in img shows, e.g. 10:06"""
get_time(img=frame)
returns 1:45
